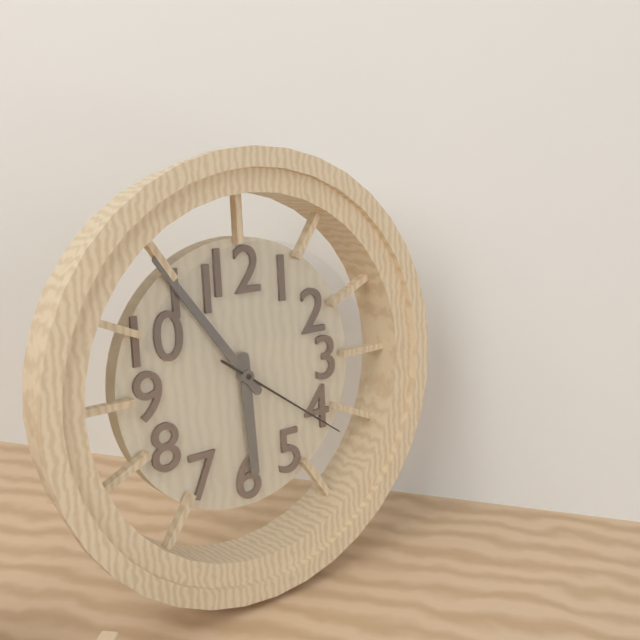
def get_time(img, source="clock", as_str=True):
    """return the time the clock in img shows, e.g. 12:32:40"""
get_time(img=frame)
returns 5:54:21
